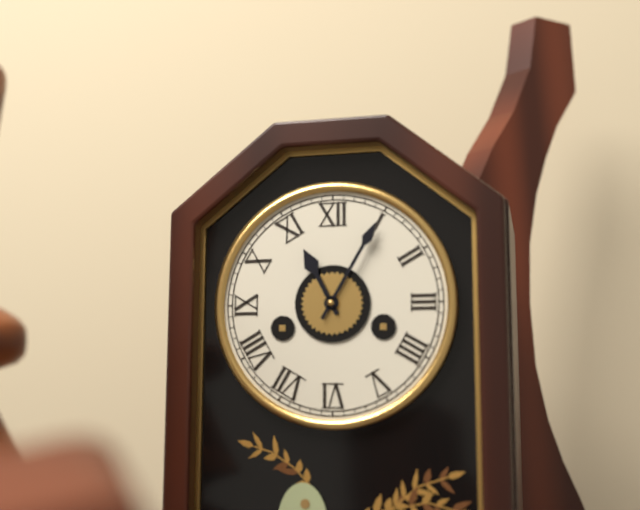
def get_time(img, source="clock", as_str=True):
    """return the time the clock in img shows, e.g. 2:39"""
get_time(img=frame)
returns 11:05
